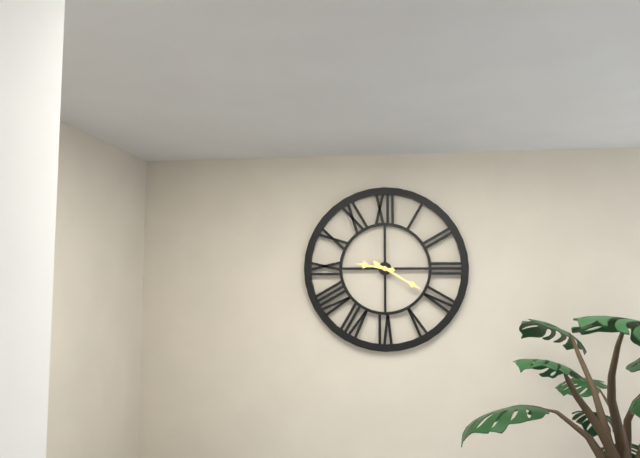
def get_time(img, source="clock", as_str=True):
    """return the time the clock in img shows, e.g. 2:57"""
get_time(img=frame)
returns 9:20
